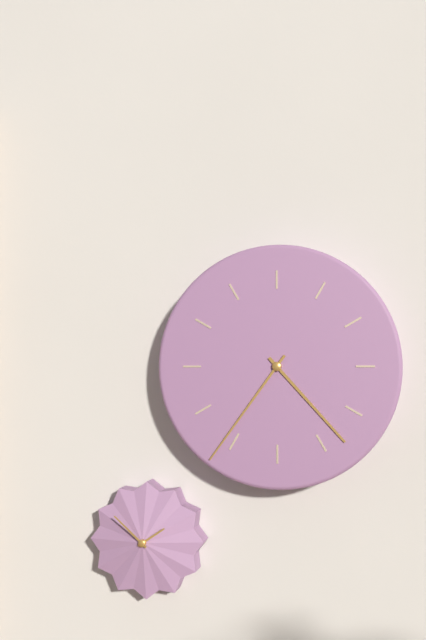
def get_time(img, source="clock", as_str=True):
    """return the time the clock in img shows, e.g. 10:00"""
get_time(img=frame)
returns 4:36
